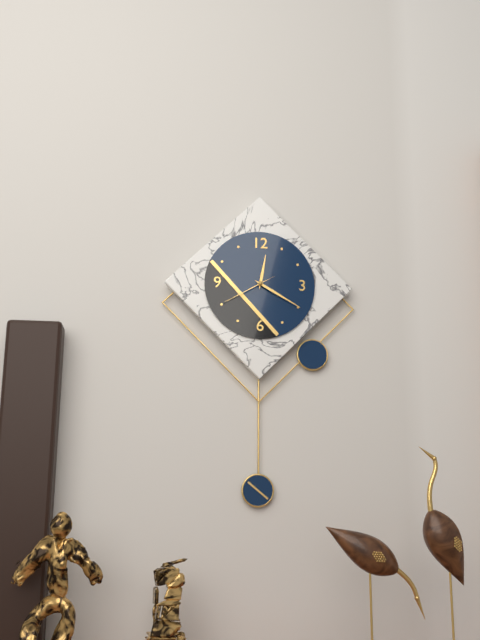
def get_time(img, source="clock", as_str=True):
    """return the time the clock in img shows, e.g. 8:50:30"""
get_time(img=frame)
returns 12:20:40
